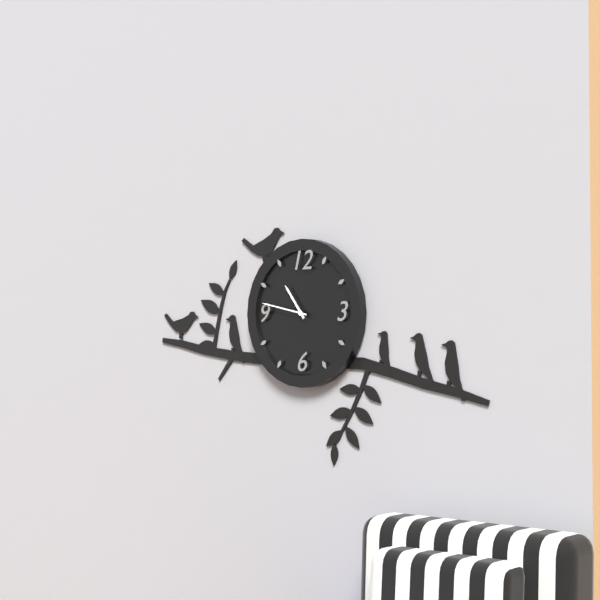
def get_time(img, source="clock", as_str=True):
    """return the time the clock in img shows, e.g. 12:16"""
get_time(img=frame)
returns 10:47
